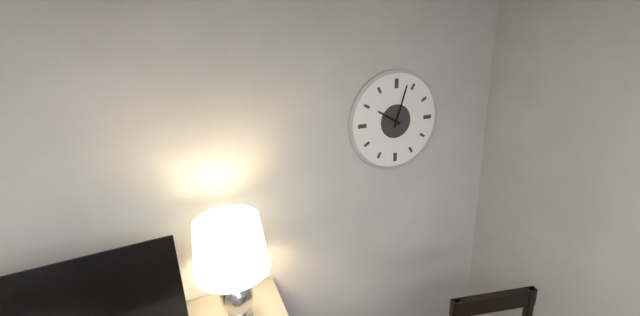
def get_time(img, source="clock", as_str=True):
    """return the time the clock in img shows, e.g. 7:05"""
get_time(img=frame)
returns 10:03
